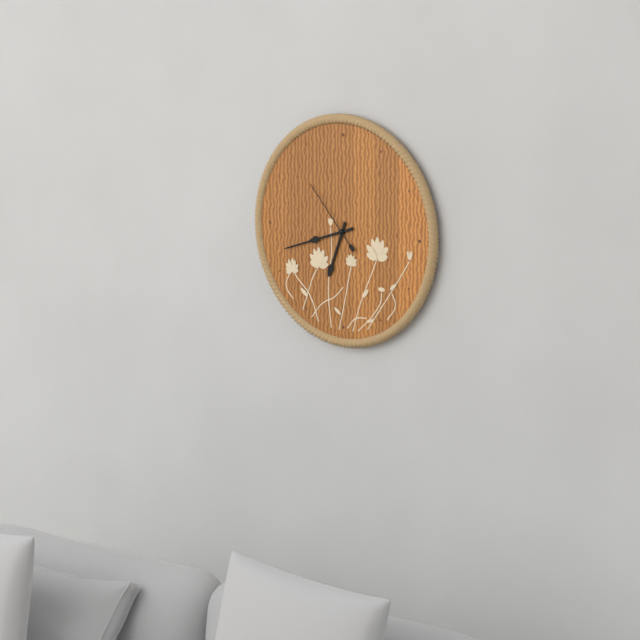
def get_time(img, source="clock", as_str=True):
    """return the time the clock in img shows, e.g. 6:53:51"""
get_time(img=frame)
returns 6:42:53
